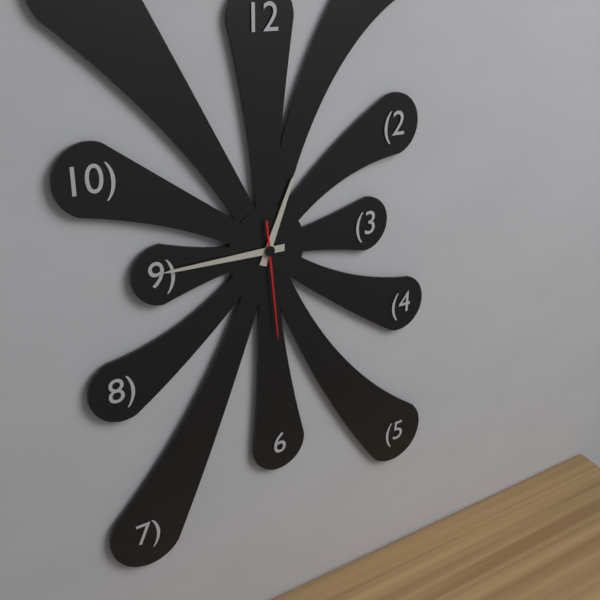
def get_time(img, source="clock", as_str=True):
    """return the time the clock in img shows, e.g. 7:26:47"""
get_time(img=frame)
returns 12:45:29
